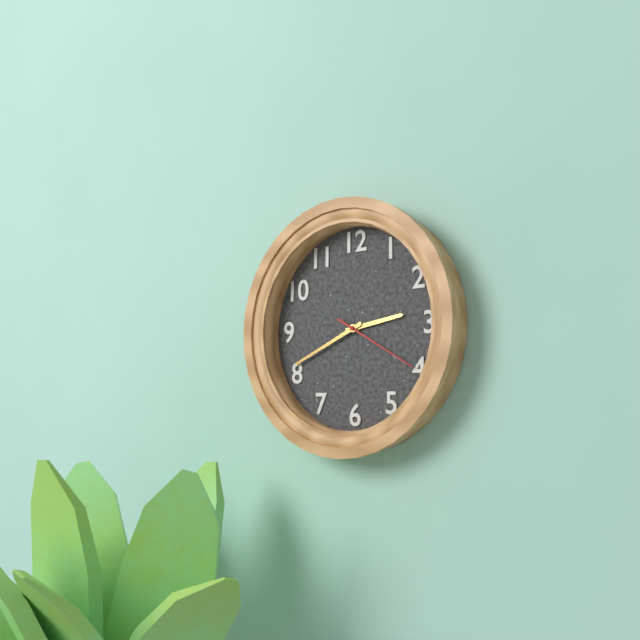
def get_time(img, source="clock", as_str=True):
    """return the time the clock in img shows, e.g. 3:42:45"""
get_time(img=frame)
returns 2:41:20
